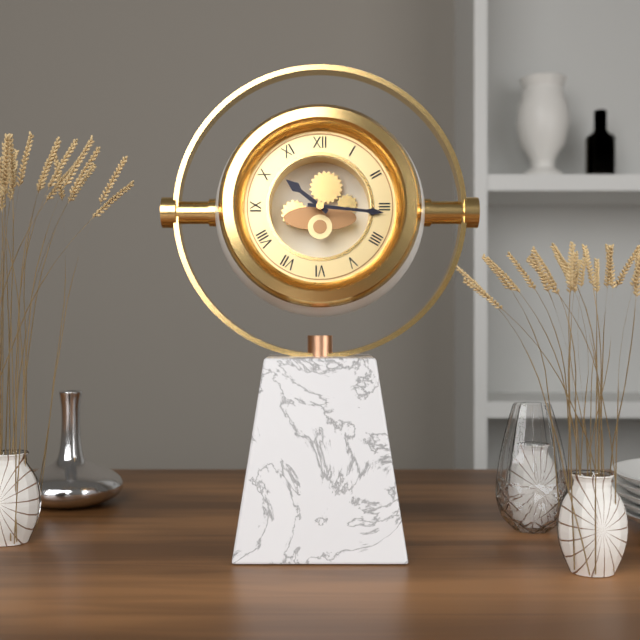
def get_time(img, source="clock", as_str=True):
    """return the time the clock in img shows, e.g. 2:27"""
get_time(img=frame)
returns 10:16
